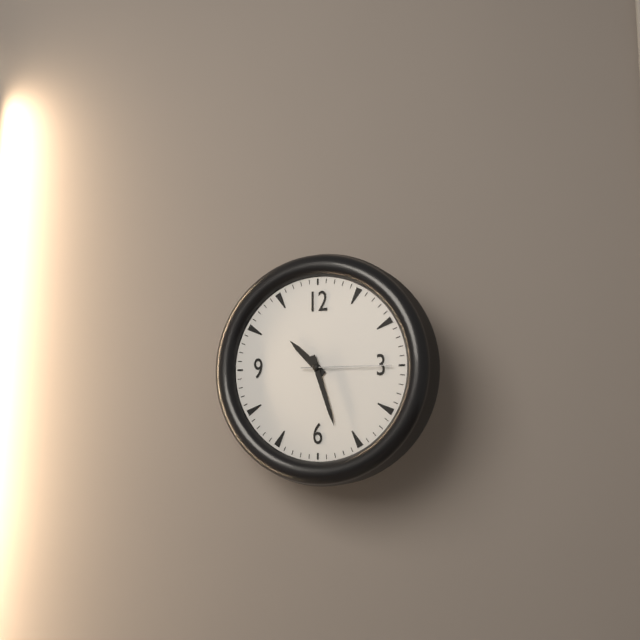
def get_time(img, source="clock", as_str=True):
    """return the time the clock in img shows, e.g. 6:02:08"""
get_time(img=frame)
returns 10:27:15
